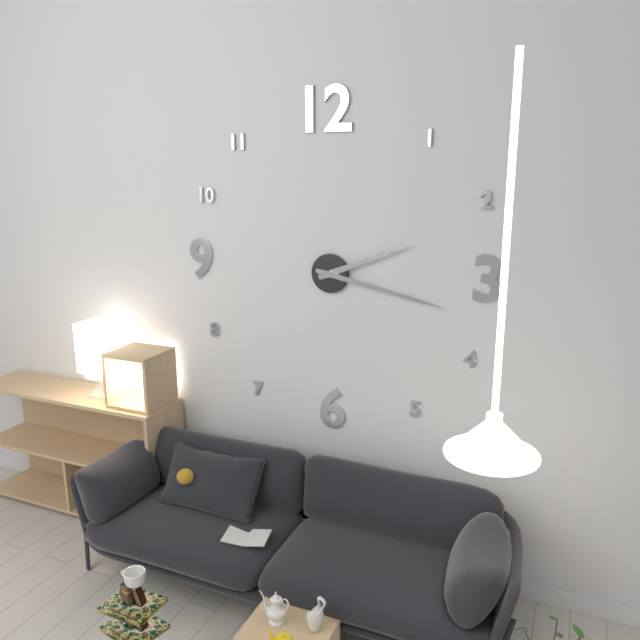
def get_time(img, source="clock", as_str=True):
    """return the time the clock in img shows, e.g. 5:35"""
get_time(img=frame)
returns 2:17
